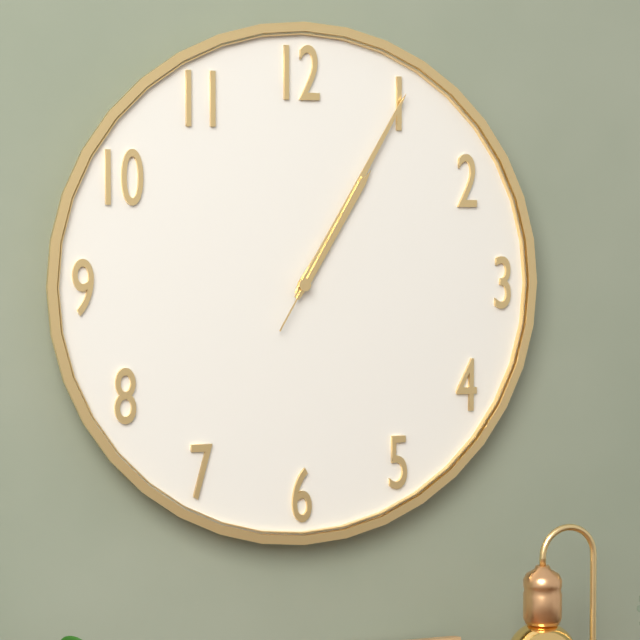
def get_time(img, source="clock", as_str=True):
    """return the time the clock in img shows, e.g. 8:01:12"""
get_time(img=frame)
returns 1:05:05
